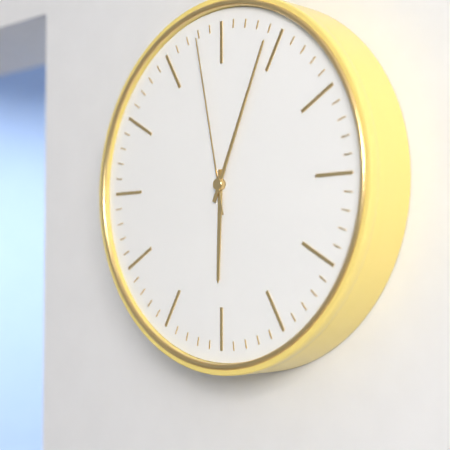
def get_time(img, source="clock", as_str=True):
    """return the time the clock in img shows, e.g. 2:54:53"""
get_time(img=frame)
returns 6:04:58
